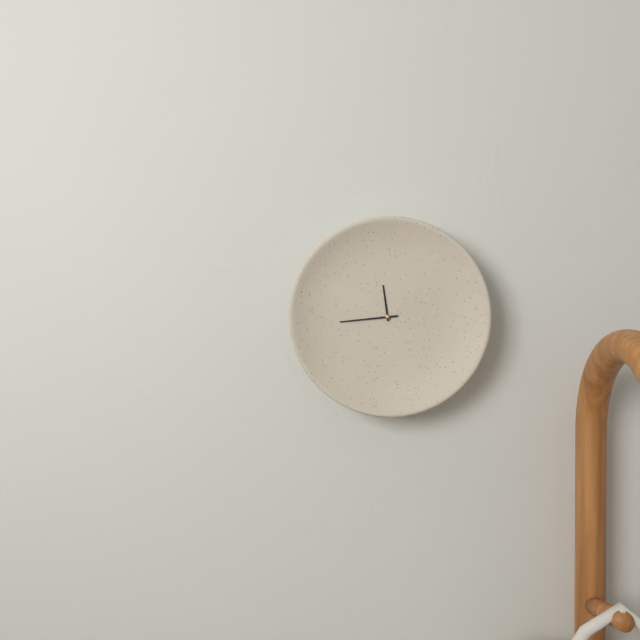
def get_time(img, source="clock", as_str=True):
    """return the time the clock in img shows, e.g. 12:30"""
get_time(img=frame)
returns 11:44
